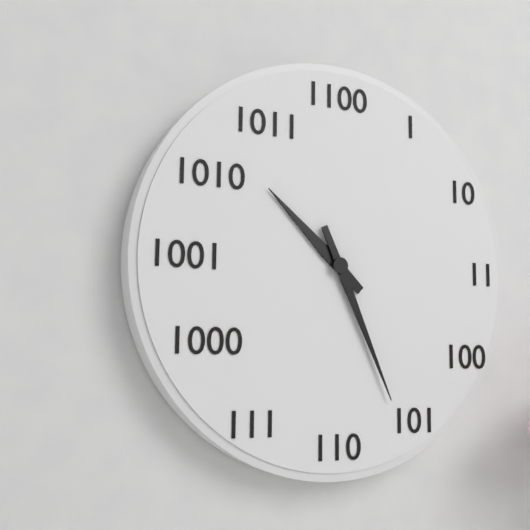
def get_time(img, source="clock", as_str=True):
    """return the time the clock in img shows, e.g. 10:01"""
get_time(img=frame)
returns 10:26
